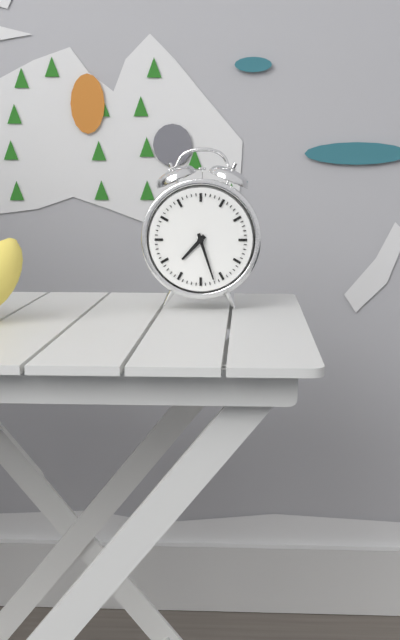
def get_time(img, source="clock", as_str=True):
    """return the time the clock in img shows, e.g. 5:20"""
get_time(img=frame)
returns 7:27
